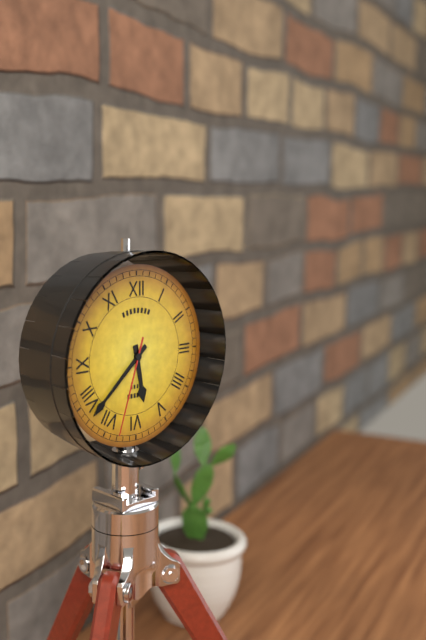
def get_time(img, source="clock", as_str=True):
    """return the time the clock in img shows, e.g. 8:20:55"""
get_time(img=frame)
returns 5:38:33
